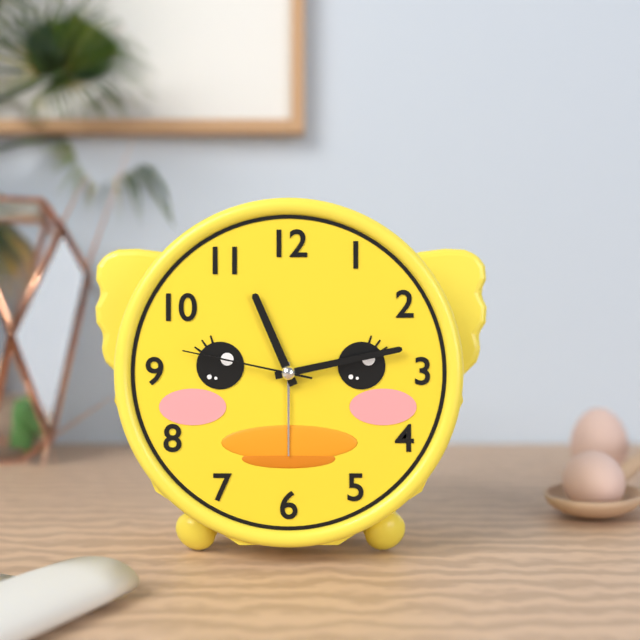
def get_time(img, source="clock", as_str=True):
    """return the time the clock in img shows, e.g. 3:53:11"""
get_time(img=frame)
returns 11:13:47
